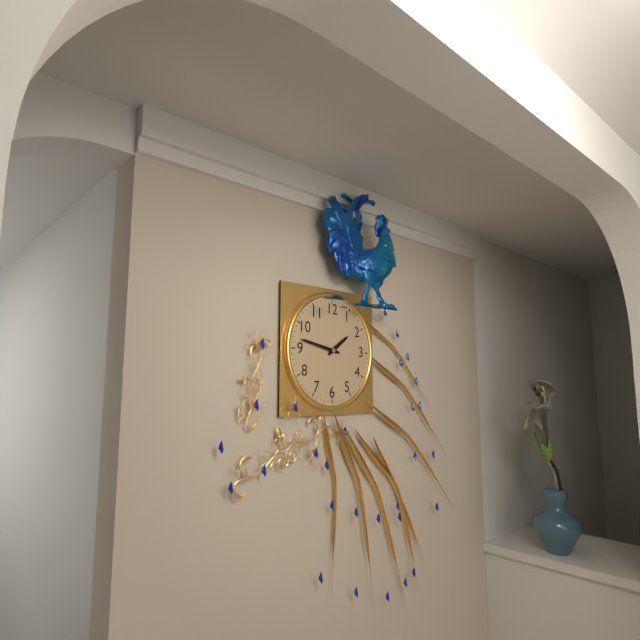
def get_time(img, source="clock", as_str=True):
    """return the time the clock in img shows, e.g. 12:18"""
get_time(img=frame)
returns 1:47
